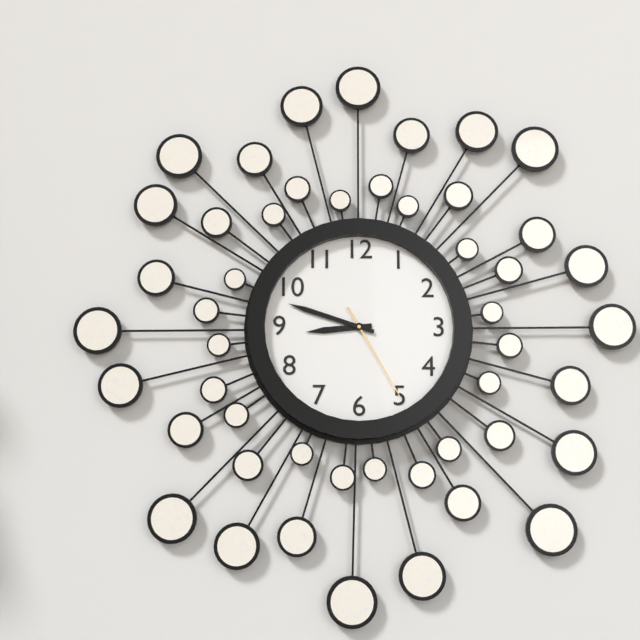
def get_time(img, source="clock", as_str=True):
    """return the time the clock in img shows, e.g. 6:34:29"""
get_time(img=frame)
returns 8:48:25
